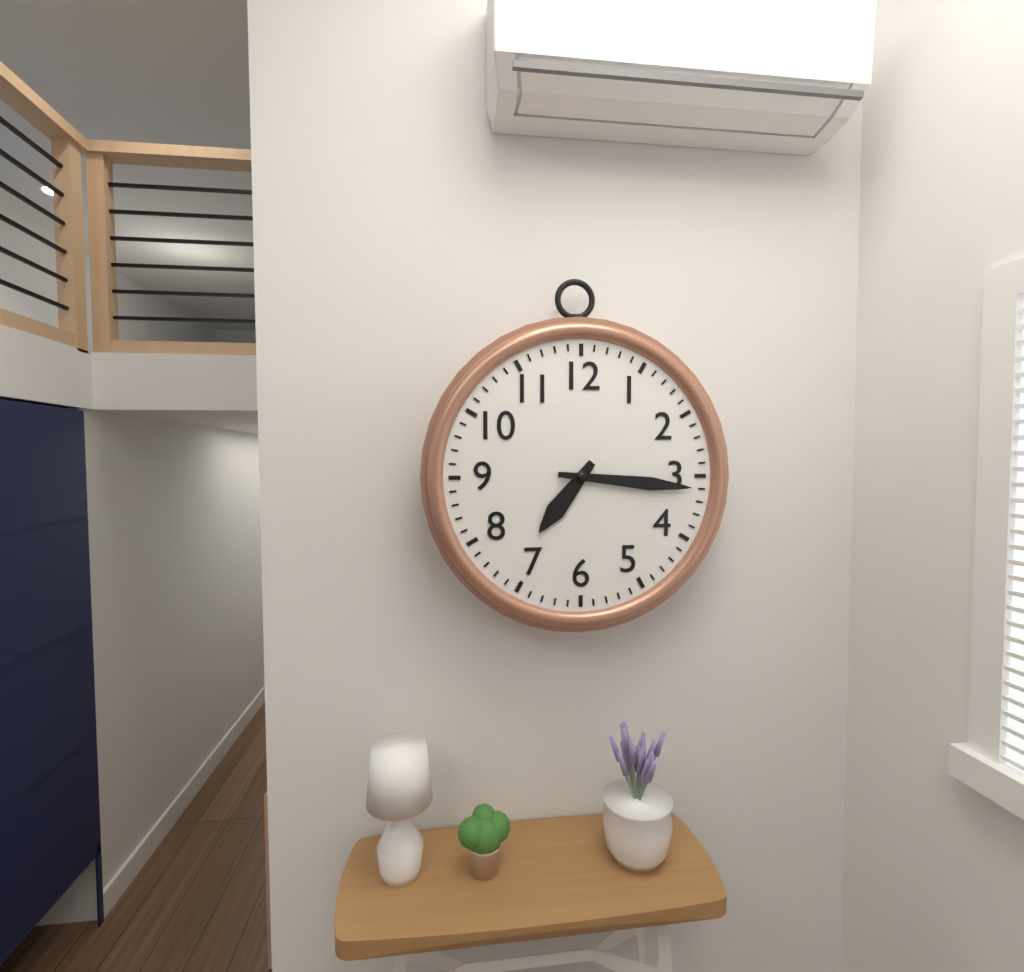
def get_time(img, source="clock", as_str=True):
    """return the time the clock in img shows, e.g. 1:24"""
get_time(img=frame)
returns 7:16
